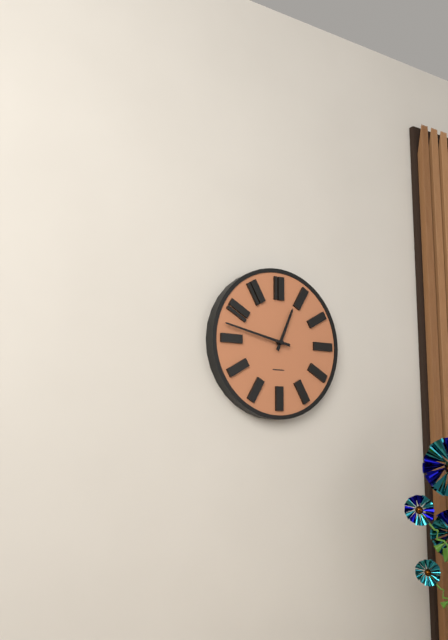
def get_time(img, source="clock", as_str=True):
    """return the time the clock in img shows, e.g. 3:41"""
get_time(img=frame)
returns 12:47
